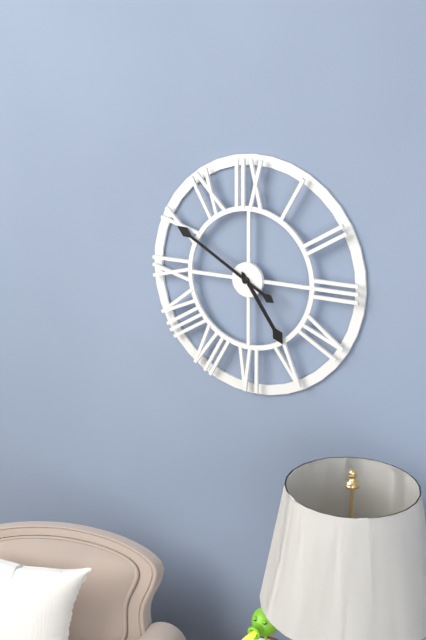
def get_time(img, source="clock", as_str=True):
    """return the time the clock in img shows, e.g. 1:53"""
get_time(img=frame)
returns 4:50
